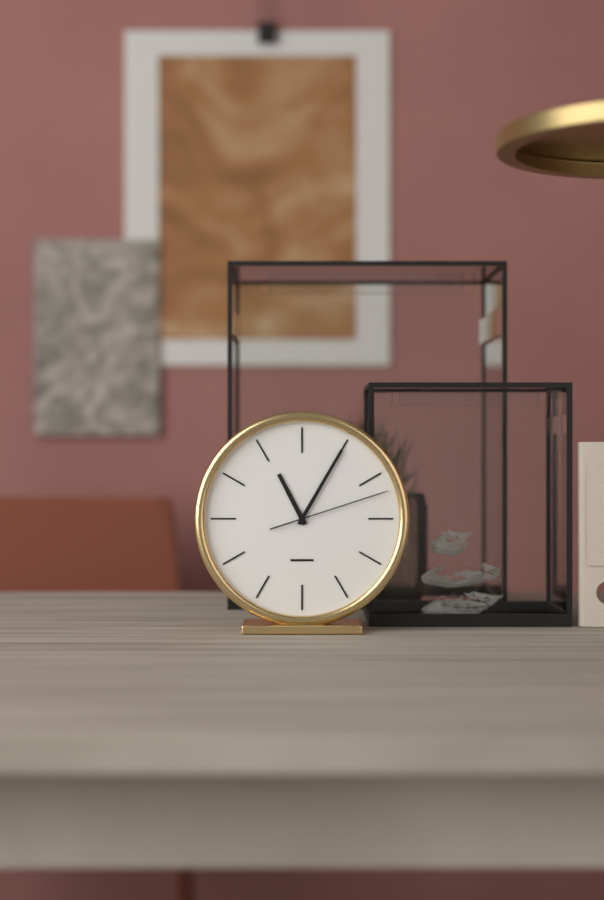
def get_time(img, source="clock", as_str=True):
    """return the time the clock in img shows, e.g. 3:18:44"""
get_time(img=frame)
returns 11:05:12
